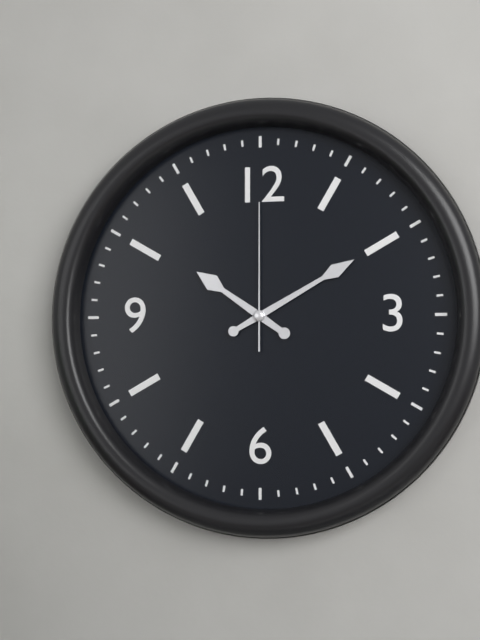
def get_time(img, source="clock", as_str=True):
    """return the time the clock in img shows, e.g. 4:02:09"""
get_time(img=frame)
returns 10:10:00
